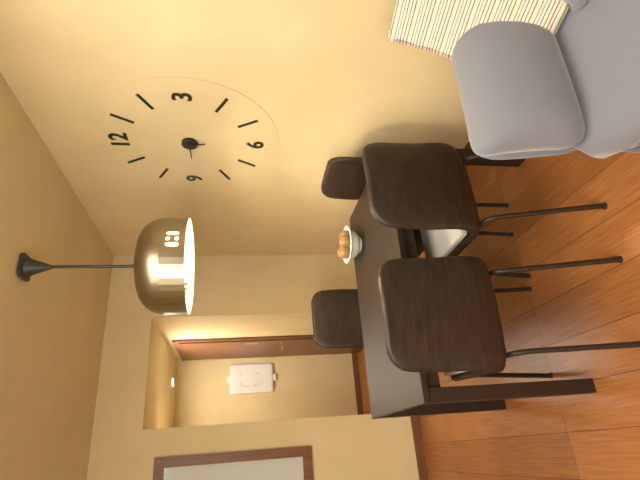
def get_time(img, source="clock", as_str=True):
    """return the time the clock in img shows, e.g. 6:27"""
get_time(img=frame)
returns 5:45
